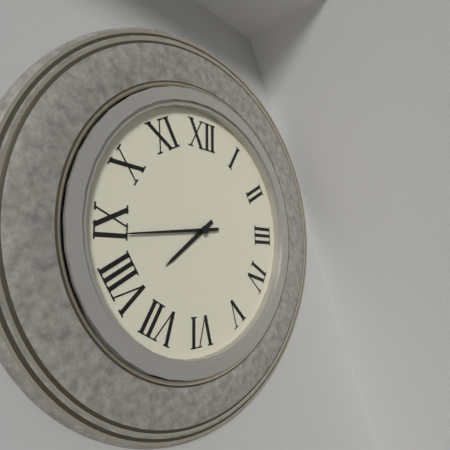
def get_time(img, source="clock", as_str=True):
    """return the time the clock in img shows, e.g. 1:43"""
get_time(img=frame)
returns 7:44
